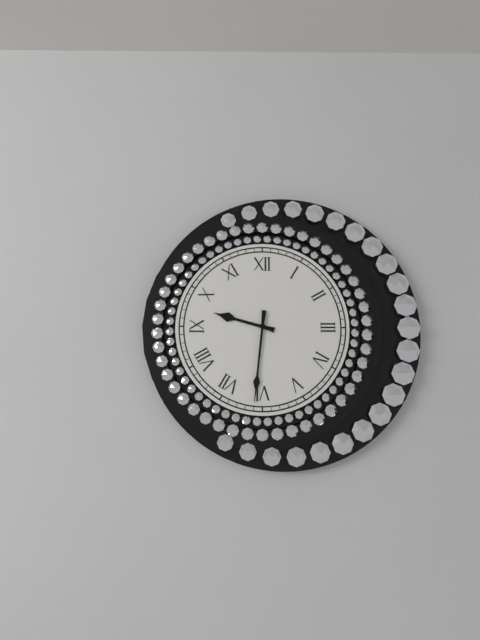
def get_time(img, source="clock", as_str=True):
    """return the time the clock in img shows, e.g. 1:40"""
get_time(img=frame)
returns 9:31
